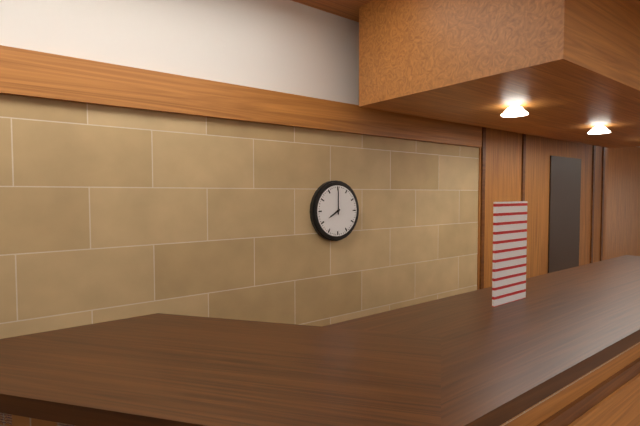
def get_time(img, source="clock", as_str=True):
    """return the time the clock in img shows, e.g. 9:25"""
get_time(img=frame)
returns 8:00
